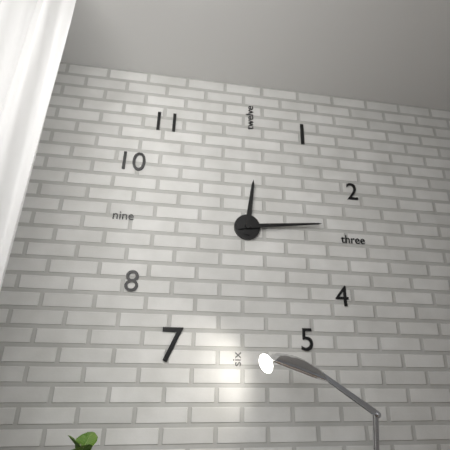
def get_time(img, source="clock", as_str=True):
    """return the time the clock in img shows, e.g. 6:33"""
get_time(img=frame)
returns 12:14
